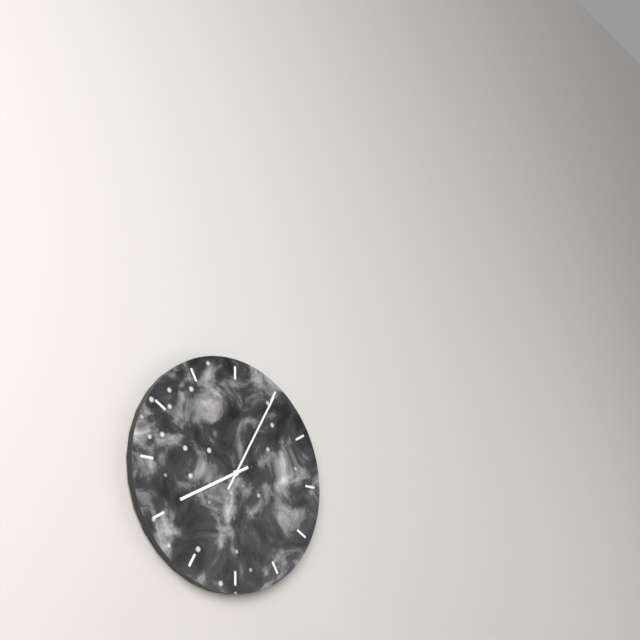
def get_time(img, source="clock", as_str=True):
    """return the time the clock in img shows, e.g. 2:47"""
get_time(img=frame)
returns 8:05
